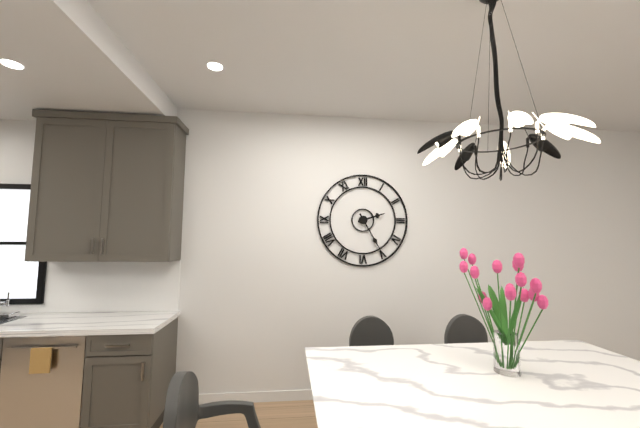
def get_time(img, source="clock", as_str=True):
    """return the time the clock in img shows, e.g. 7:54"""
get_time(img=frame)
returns 2:25
